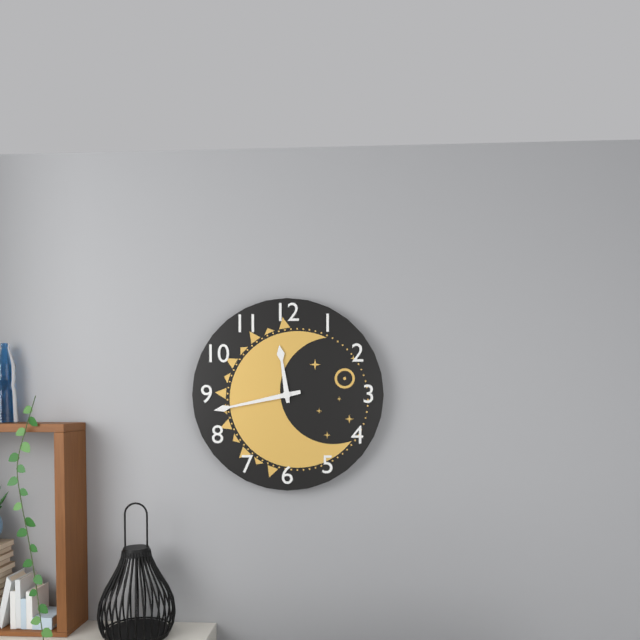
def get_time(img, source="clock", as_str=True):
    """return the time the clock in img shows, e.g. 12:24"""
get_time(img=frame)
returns 11:43
